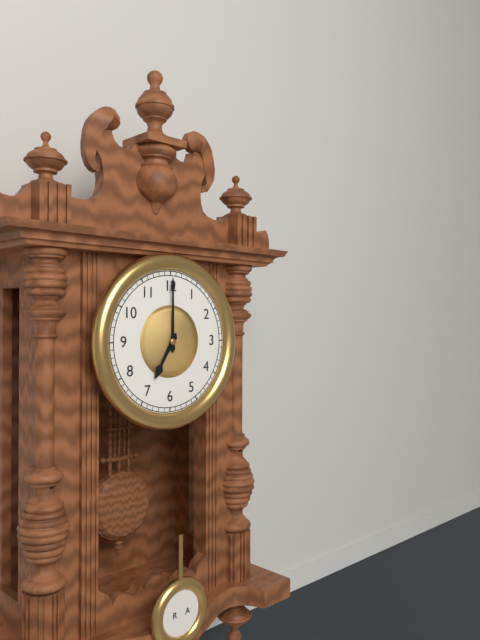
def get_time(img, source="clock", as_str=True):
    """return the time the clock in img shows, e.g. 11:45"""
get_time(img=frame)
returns 7:00
